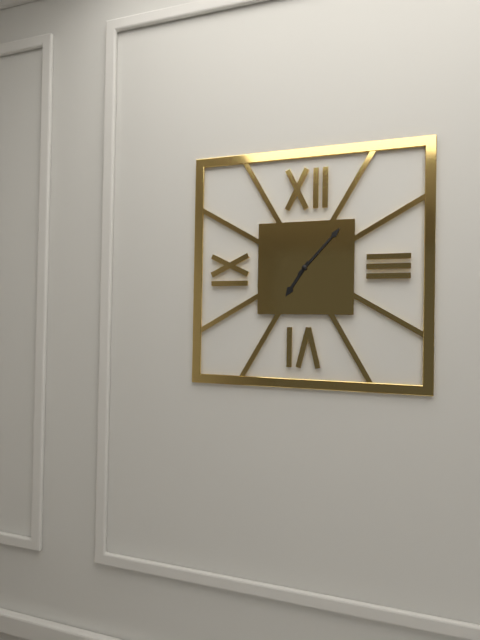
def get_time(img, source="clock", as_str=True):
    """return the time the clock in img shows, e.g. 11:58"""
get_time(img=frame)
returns 7:07
